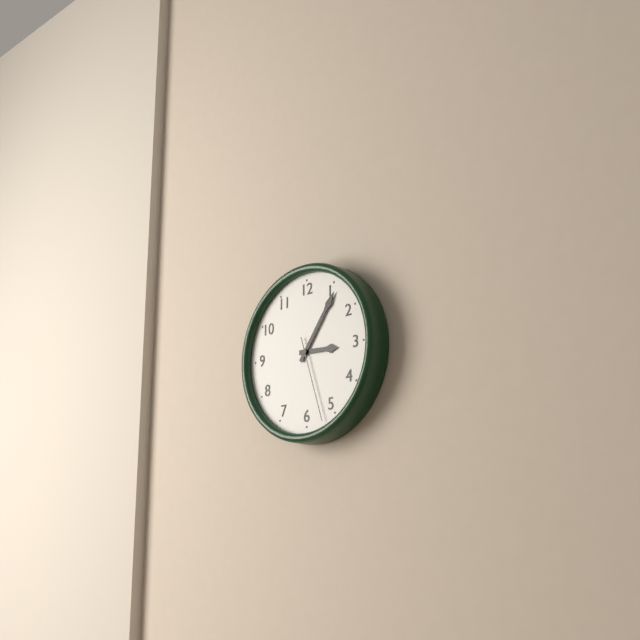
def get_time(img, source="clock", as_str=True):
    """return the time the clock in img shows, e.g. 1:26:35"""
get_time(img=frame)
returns 3:06:27
